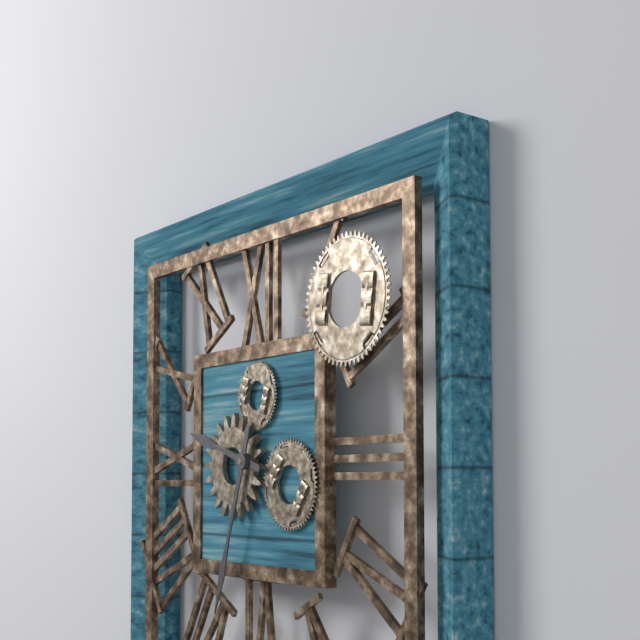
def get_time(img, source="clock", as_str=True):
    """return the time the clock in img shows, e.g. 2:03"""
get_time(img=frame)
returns 9:33
